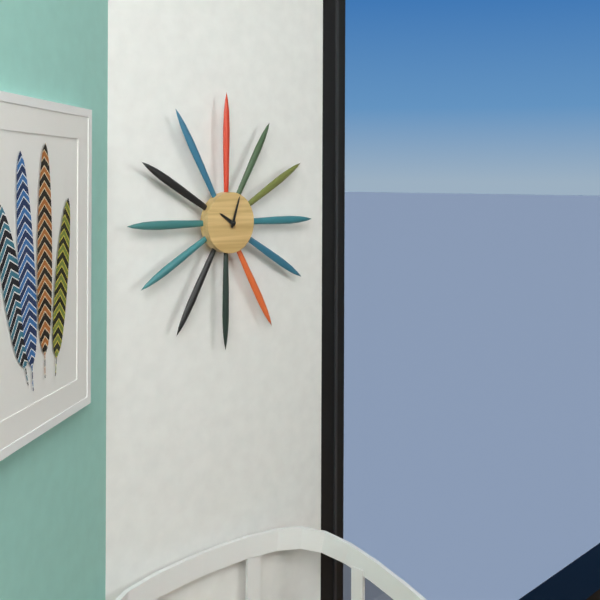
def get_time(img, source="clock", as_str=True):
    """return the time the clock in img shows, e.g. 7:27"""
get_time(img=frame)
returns 10:03
